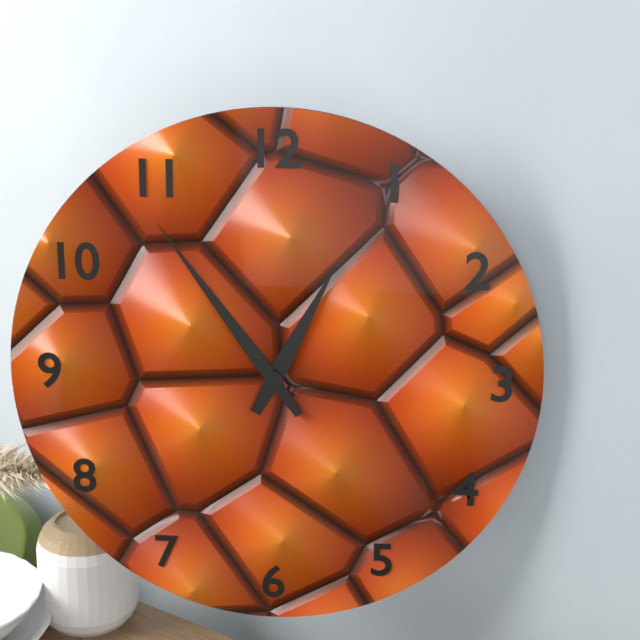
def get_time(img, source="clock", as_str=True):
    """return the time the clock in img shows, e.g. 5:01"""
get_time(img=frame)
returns 12:54
